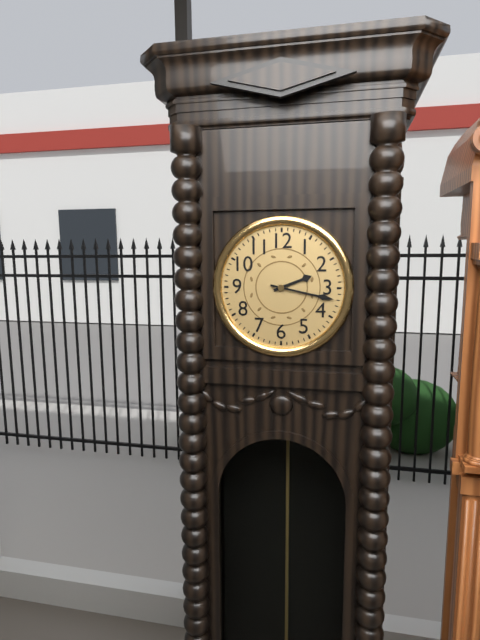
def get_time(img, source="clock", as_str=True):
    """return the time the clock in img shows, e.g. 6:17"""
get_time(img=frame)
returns 2:17
